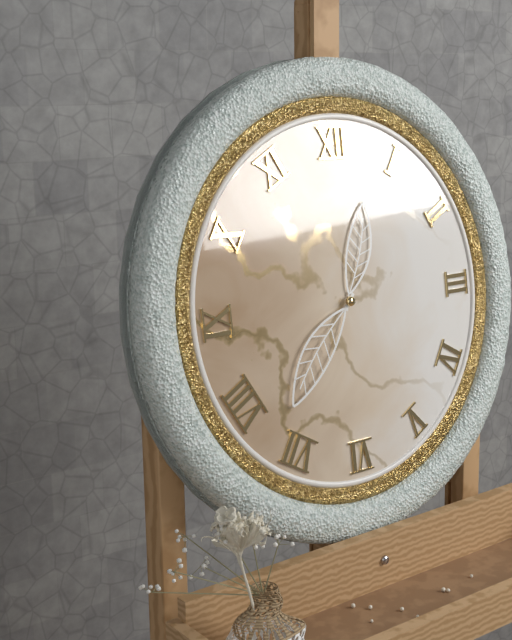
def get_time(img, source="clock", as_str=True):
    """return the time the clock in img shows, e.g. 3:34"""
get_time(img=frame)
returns 12:37
